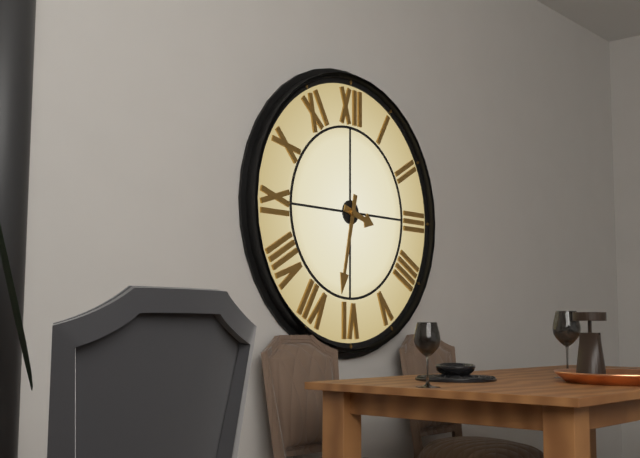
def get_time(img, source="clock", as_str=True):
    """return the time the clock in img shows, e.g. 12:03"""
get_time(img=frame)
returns 3:32
